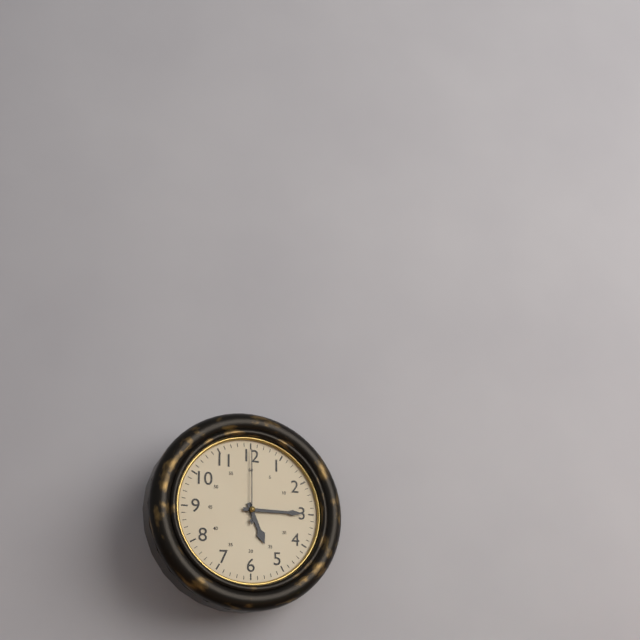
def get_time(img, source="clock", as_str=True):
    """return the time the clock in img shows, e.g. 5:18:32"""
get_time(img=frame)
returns 5:15:00
